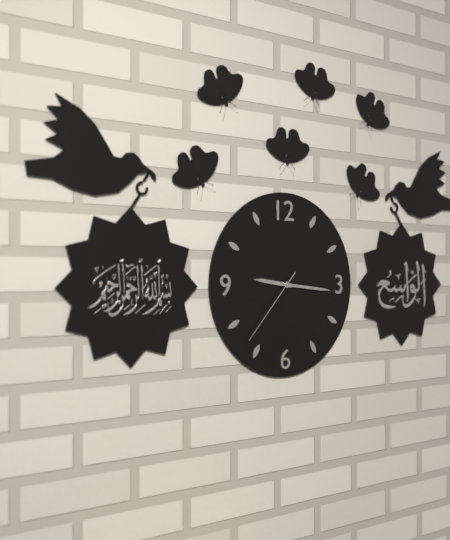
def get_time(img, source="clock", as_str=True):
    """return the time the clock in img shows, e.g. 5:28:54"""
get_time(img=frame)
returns 9:16:37
